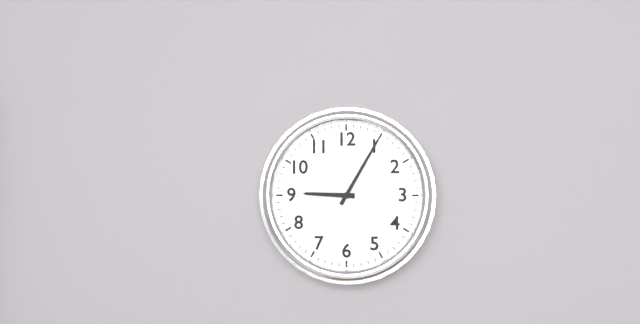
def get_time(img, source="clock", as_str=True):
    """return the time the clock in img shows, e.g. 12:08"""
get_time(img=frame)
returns 9:05
